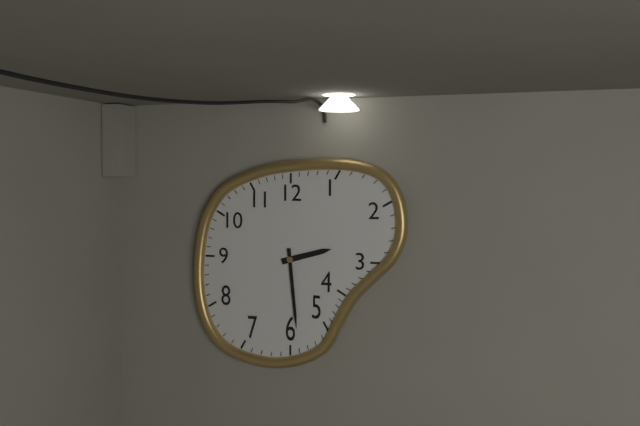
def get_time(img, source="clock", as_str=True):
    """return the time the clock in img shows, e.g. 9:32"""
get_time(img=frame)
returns 2:29
